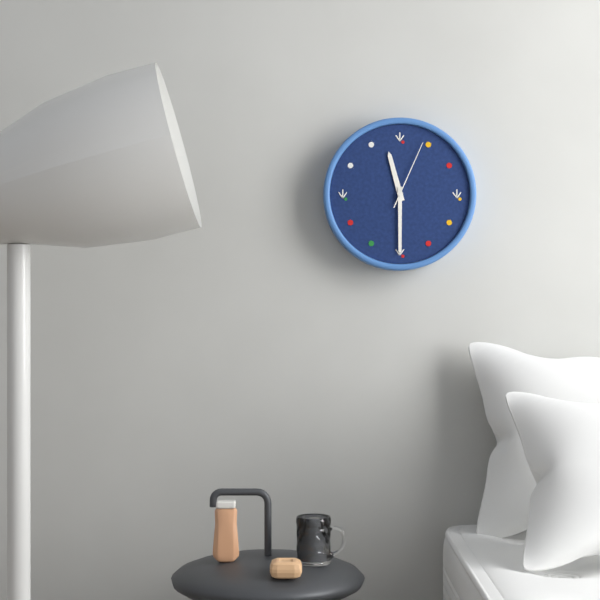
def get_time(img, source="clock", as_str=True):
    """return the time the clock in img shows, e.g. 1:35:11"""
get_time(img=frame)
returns 11:30:04
